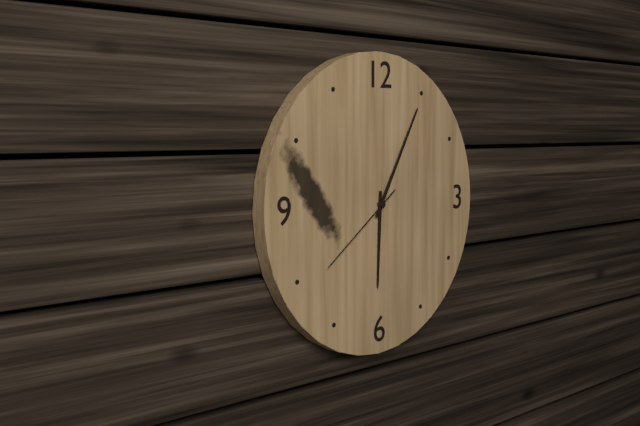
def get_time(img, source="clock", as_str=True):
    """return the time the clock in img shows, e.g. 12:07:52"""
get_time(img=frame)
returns 6:05:39
